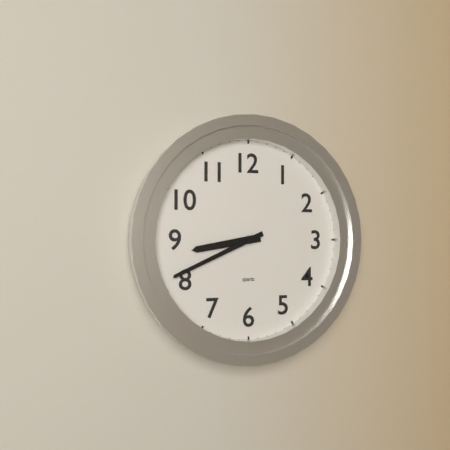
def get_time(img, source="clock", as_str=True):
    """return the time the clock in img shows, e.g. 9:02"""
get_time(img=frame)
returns 8:41
